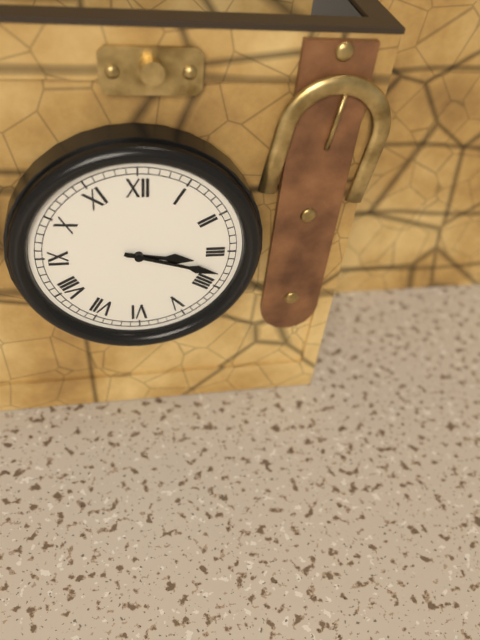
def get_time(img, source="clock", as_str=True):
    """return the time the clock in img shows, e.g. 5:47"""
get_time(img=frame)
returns 3:18
